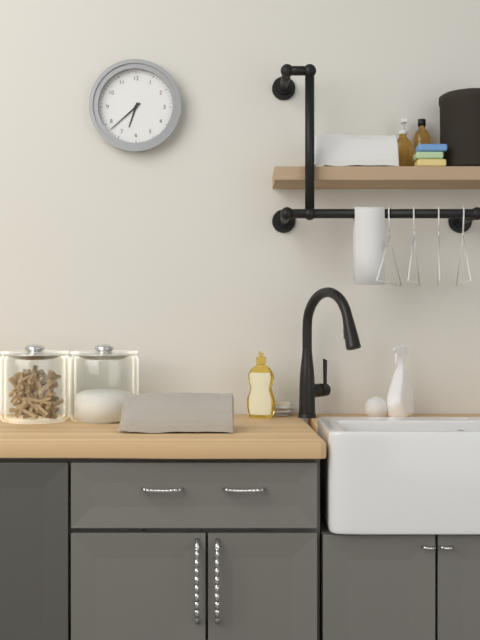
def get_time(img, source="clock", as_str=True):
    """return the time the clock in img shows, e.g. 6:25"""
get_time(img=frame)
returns 6:38
